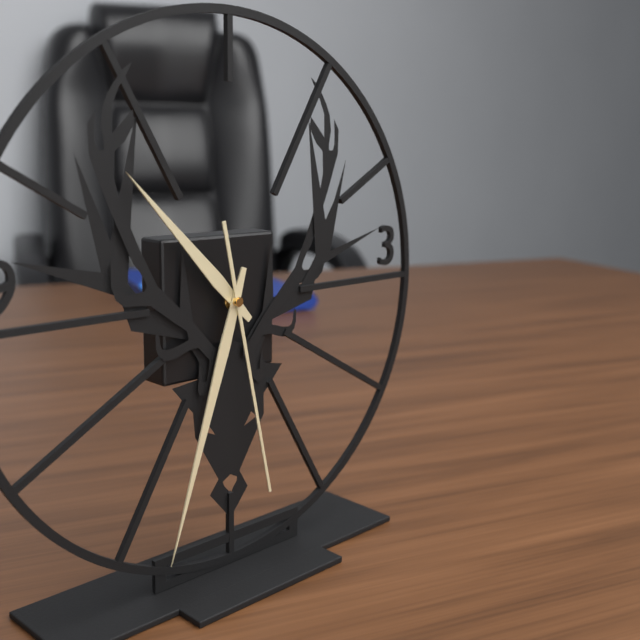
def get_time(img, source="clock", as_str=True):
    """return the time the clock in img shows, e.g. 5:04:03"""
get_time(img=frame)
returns 10:33:28
